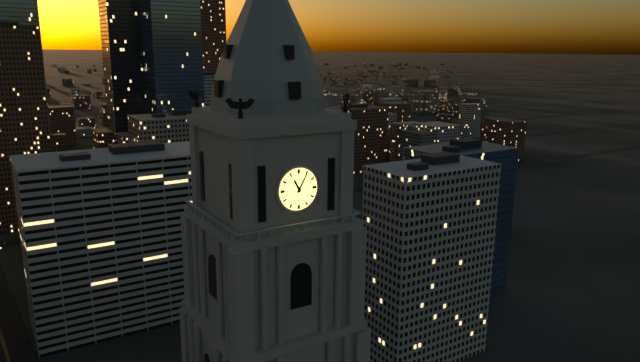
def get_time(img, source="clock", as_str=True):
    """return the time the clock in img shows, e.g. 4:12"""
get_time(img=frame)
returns 11:05
